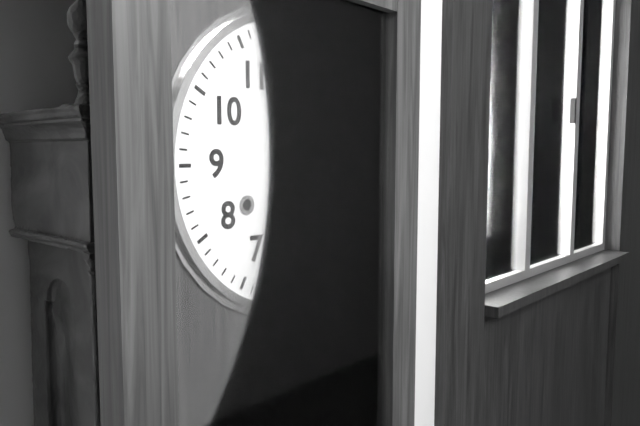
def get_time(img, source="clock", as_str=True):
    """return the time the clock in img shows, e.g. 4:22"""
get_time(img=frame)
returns 3:29
